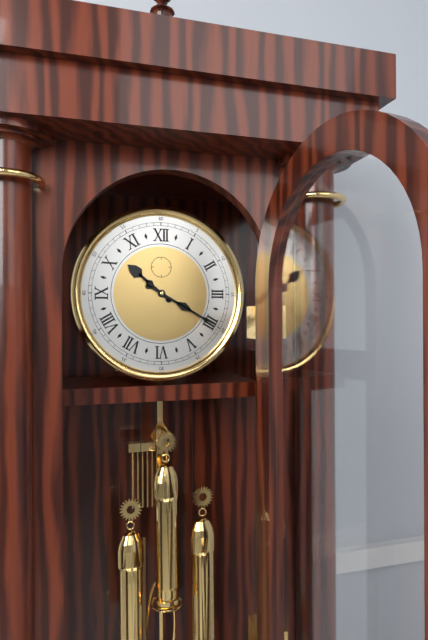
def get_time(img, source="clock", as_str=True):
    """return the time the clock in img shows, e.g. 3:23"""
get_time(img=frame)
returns 10:20
